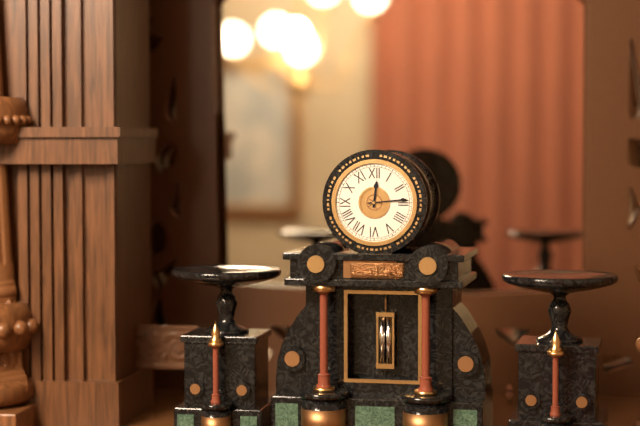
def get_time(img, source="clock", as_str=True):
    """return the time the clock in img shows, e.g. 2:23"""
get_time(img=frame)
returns 12:14
